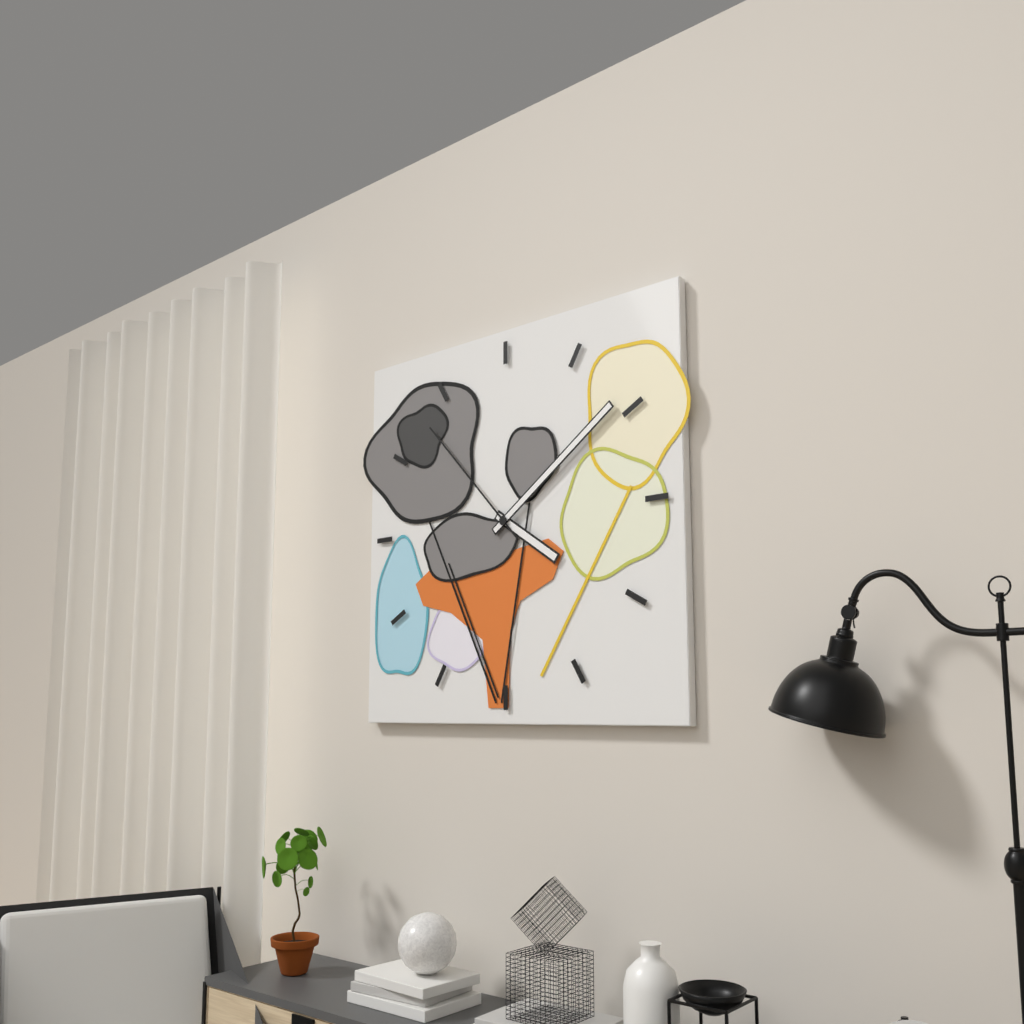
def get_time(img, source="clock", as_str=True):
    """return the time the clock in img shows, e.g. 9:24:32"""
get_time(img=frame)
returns 4:09:53
